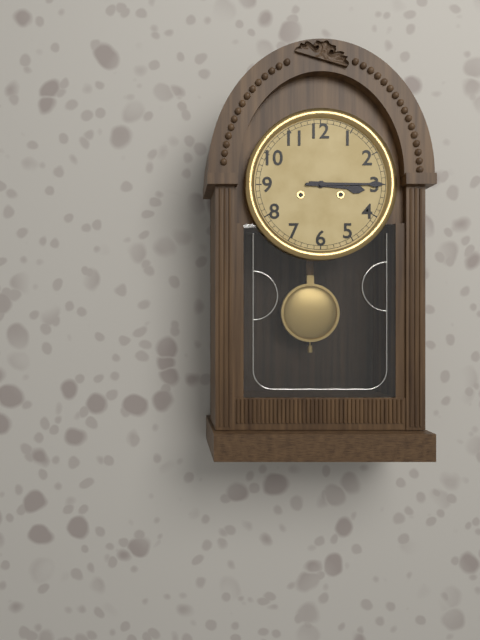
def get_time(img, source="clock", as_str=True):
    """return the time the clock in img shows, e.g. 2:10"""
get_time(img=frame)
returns 3:15
